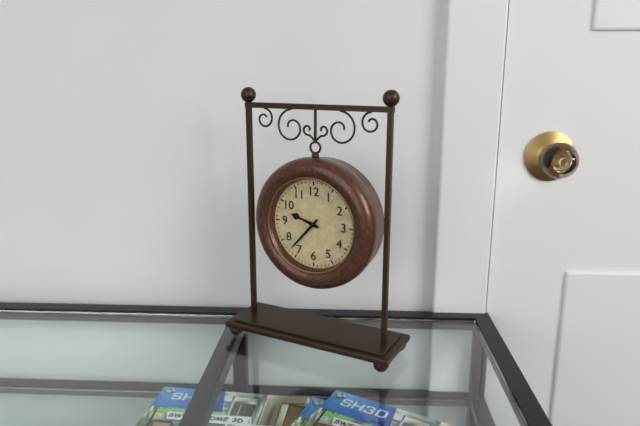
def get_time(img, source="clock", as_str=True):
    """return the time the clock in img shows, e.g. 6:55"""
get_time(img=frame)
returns 9:37
